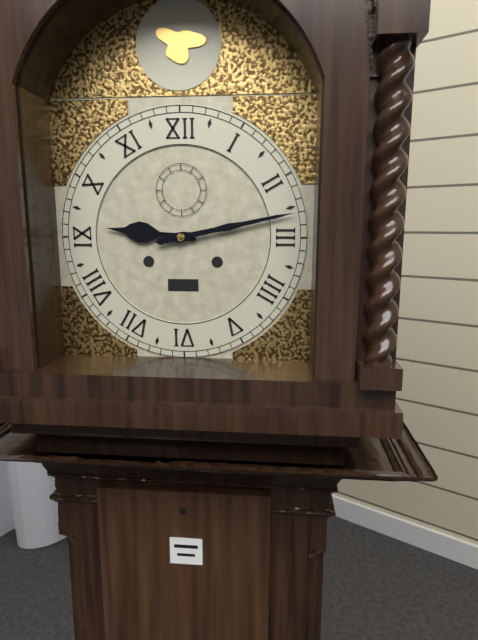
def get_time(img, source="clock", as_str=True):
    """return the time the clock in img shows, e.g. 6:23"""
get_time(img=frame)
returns 9:13
